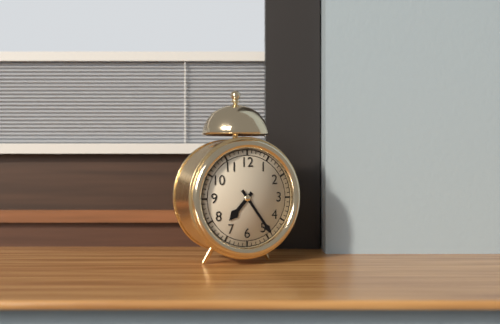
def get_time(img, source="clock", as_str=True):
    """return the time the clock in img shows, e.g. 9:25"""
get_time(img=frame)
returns 7:24
